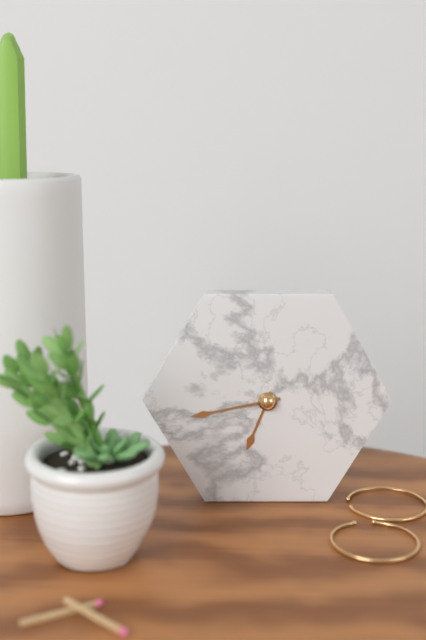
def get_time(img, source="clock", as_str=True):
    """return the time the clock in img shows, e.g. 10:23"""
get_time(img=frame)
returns 6:43
